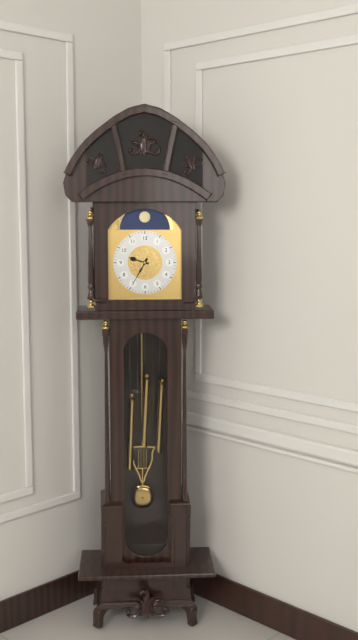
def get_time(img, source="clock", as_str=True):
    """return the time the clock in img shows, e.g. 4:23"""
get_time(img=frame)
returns 9:35
